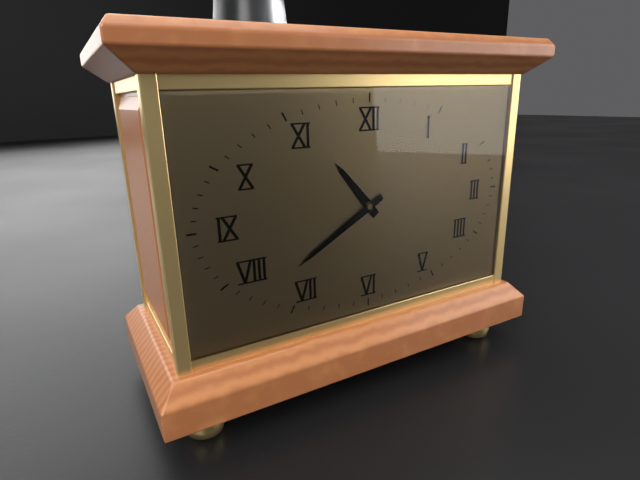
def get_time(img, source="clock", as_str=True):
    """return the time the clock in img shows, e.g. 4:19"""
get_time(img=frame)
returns 10:40
